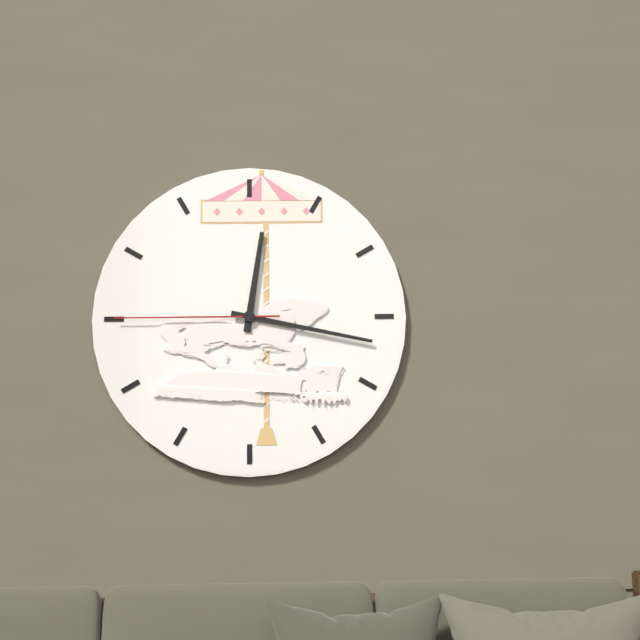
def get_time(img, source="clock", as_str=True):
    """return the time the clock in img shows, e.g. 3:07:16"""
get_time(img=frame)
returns 12:17:45
